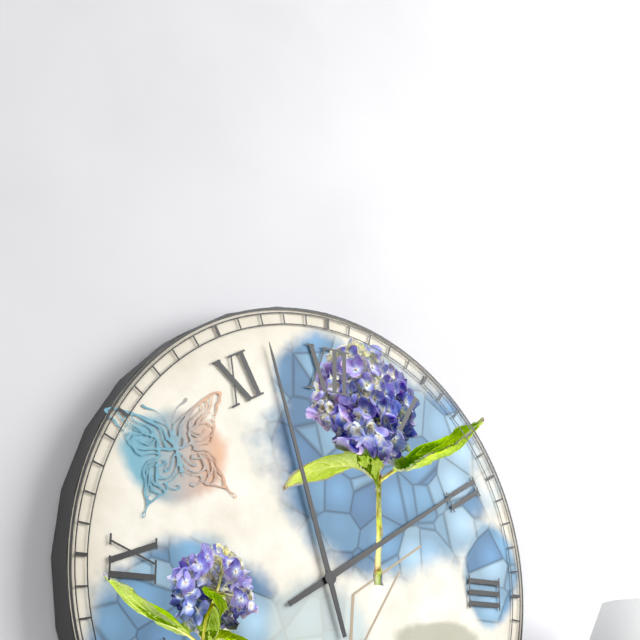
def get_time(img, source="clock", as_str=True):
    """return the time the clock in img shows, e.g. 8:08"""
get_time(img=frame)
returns 1:57
